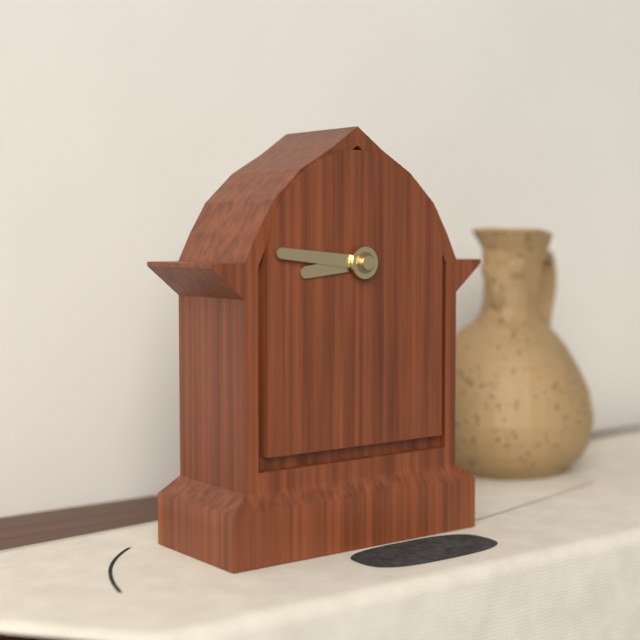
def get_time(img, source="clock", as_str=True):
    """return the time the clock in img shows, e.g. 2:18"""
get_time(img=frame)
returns 8:46
